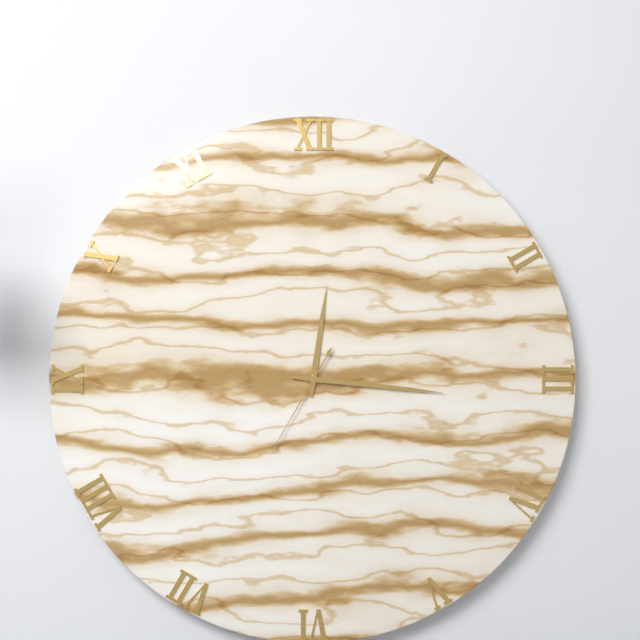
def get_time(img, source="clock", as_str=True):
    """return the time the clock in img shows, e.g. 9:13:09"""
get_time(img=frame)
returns 12:16:35
